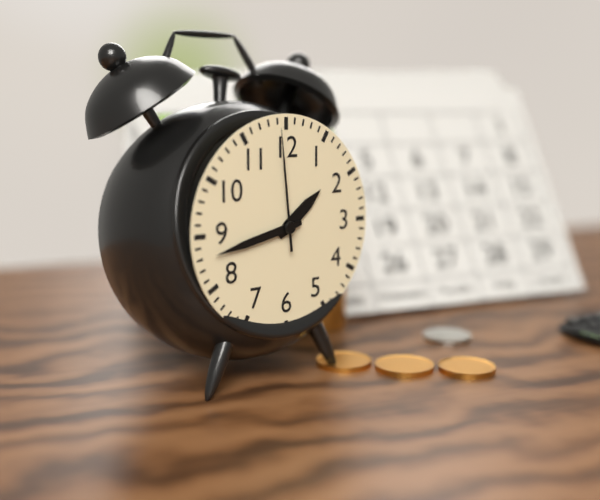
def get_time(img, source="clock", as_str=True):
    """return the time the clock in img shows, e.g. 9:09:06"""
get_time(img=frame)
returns 1:43:59
